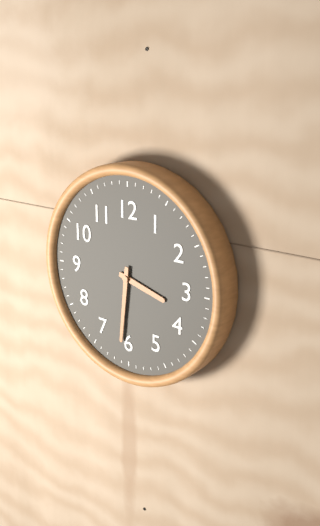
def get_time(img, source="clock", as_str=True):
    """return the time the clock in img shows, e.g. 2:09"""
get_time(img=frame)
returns 3:31
